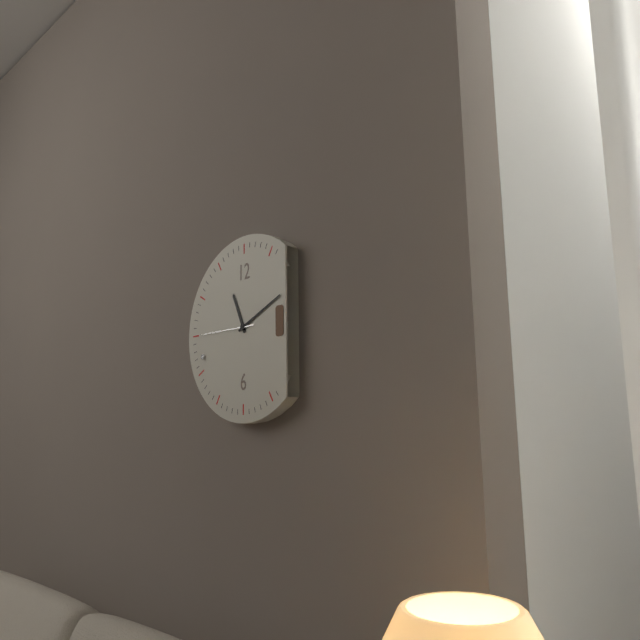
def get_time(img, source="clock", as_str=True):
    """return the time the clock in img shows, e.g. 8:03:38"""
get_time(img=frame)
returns 11:11:45
